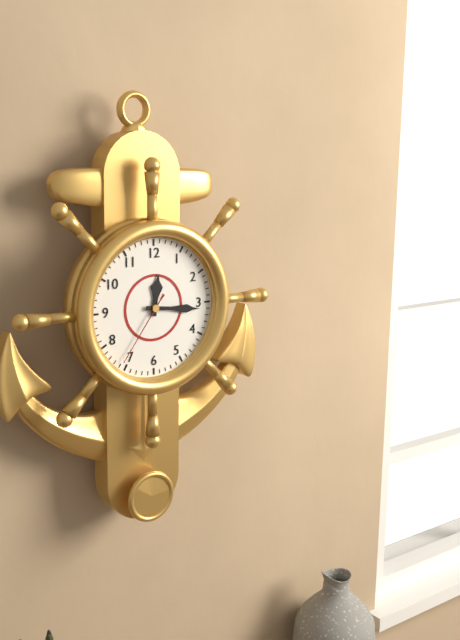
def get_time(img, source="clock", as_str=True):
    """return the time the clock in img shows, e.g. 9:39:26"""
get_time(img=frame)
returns 12:16:36
